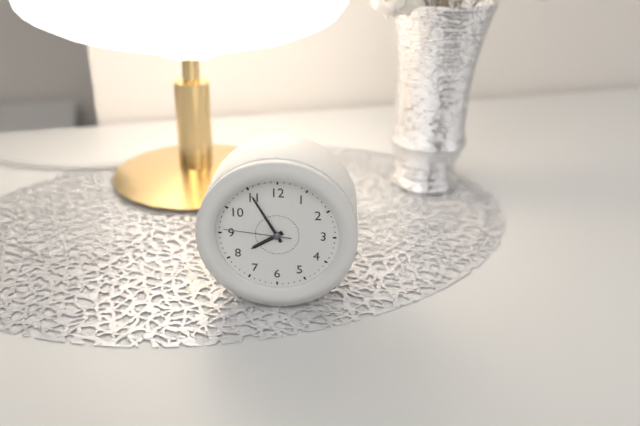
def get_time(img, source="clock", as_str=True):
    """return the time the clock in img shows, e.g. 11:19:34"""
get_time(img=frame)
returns 7:55:46
